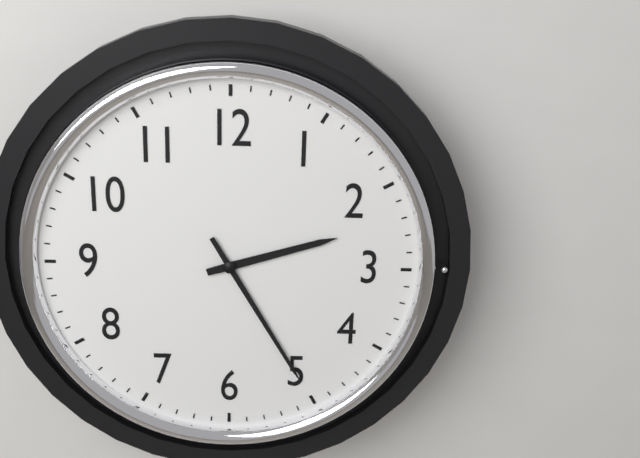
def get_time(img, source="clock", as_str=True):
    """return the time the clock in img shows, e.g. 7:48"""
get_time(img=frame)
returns 2:25
